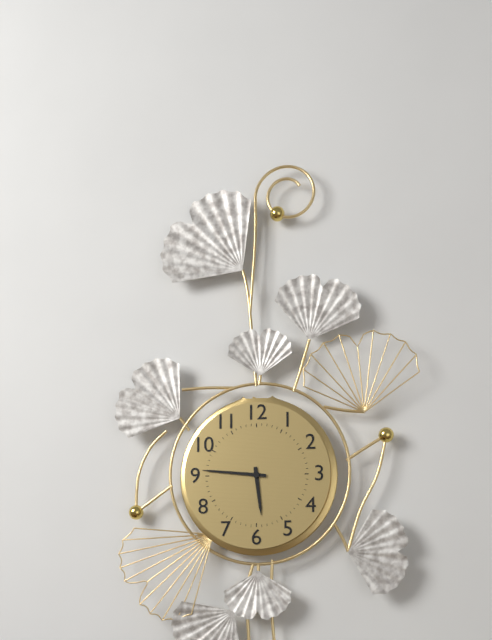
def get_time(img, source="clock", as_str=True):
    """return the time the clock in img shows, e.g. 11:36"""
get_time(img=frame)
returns 5:46
